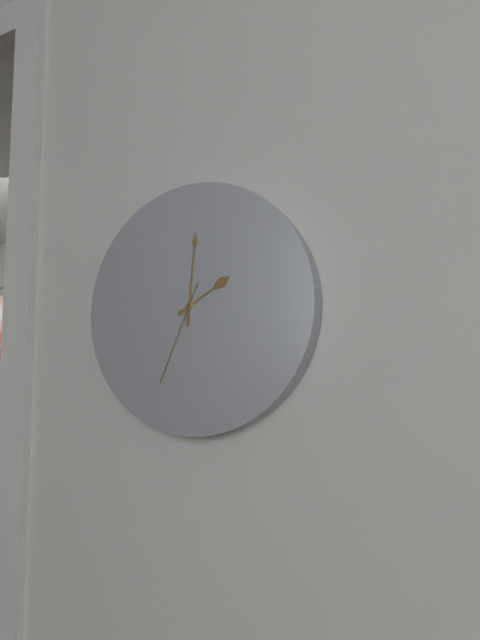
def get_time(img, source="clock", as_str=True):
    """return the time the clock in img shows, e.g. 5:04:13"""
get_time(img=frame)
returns 2:01:34
